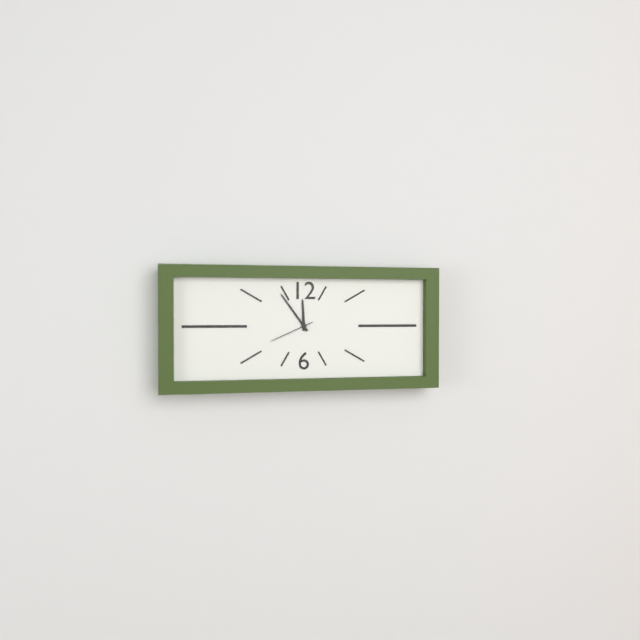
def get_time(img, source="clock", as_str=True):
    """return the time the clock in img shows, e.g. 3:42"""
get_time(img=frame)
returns 11:54
